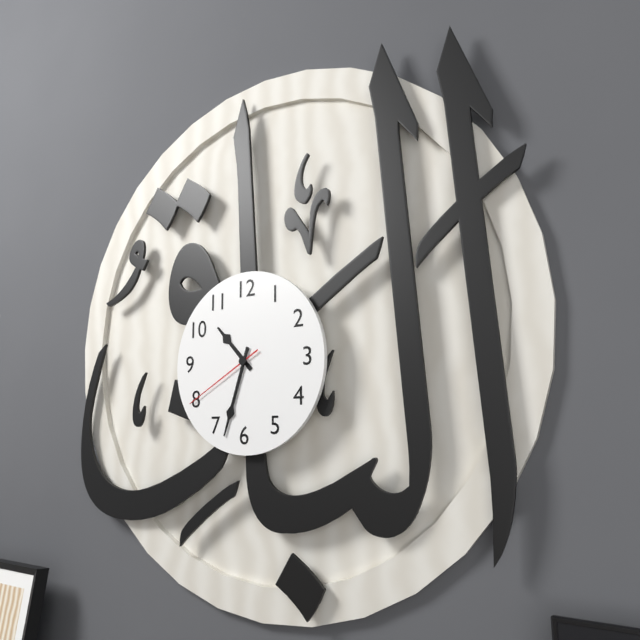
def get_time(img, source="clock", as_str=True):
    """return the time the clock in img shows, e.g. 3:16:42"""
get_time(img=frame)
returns 10:33:40
